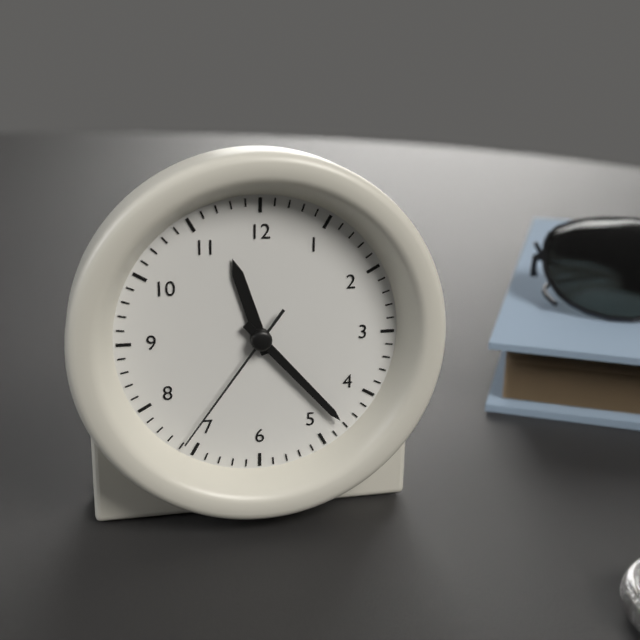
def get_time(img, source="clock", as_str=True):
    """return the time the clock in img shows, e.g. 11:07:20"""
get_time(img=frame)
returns 11:23:36
